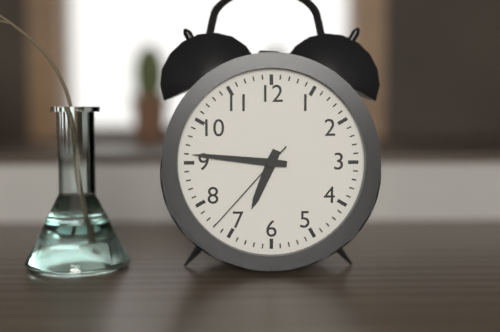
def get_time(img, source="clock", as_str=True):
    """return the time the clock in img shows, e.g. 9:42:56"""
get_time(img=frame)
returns 6:46:37
